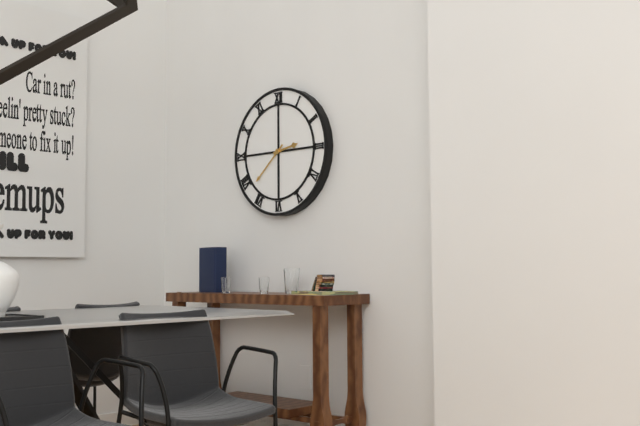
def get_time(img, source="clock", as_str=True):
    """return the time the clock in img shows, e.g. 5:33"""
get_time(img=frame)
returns 2:38
